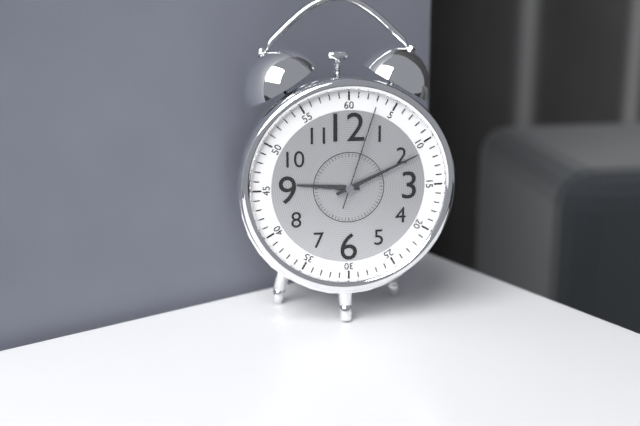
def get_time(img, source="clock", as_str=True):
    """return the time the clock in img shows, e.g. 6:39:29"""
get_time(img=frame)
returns 9:11:03
